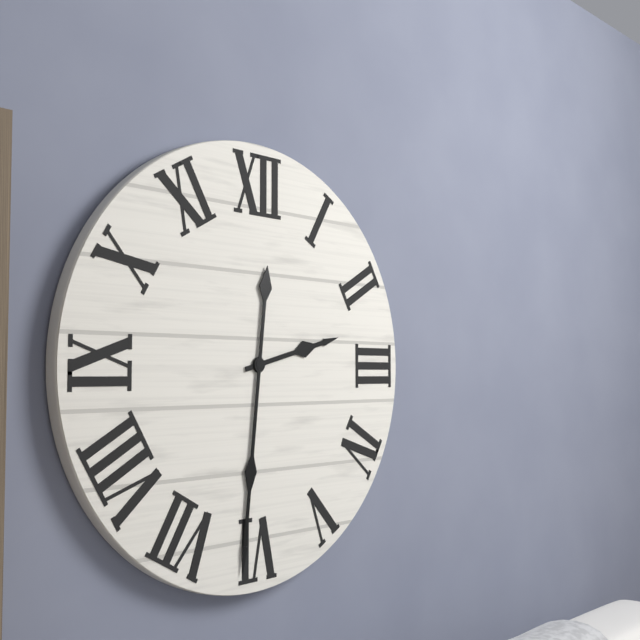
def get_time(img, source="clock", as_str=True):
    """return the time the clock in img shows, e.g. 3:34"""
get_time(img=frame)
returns 2:31
